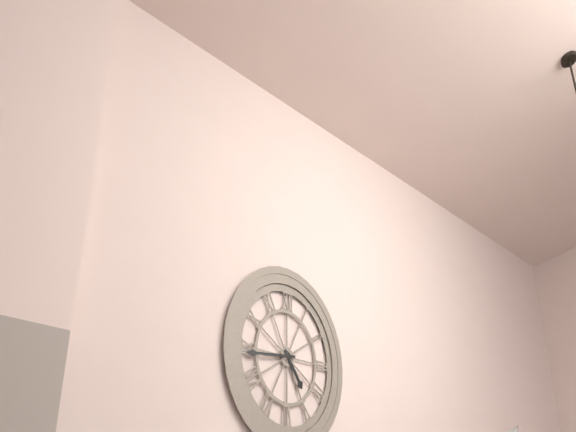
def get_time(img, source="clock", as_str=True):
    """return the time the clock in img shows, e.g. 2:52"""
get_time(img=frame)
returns 4:44
